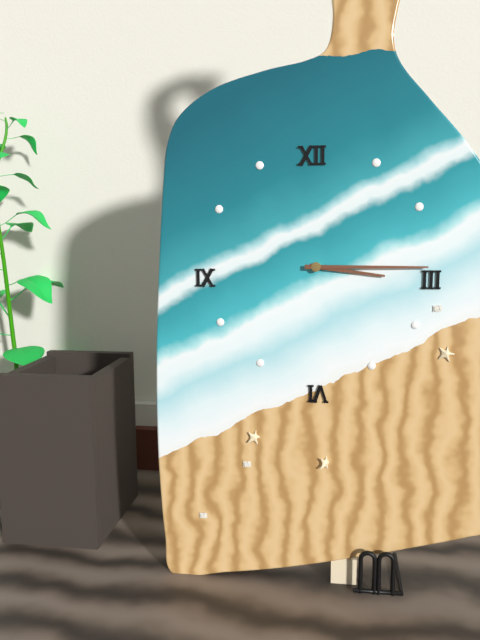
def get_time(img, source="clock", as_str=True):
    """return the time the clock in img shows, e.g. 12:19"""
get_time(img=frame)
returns 3:15
